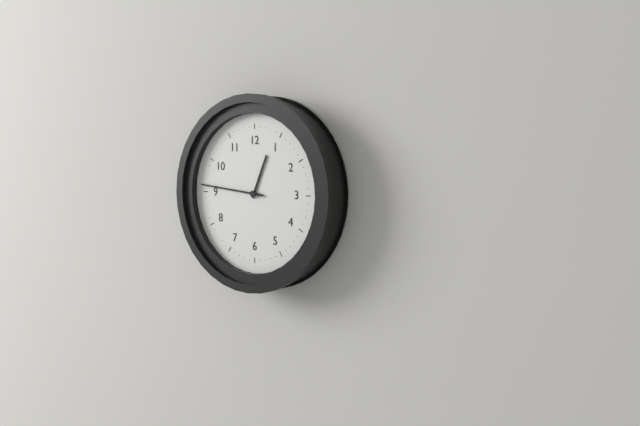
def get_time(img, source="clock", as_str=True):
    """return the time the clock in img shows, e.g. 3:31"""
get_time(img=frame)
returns 12:46
